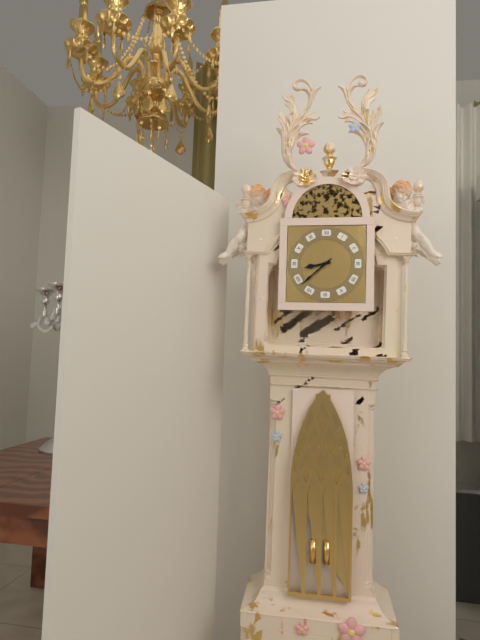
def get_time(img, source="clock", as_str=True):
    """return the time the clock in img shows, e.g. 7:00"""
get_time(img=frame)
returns 8:38
